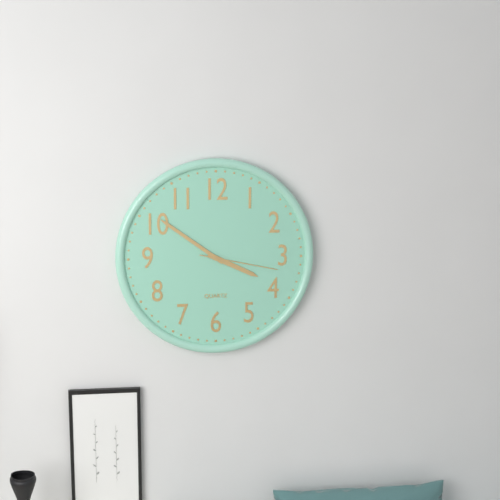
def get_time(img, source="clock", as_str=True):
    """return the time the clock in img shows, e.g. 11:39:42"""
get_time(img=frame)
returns 3:51:17
